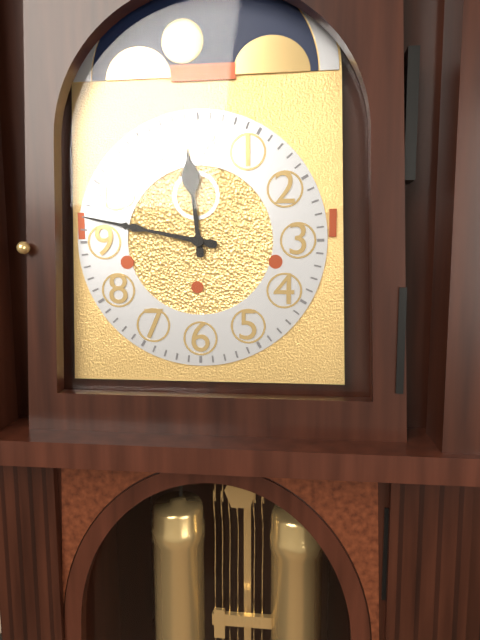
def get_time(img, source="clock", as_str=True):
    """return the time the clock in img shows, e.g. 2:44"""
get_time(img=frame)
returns 11:47
